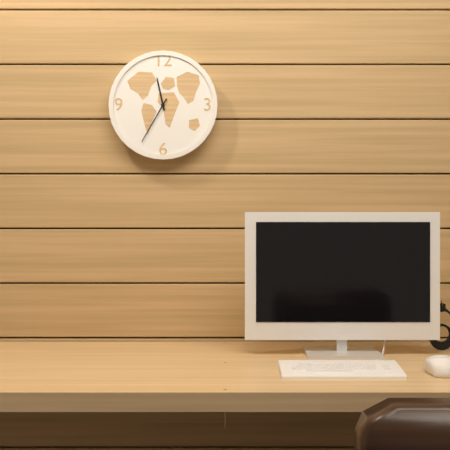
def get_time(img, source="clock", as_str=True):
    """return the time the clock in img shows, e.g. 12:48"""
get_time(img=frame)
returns 11:35
